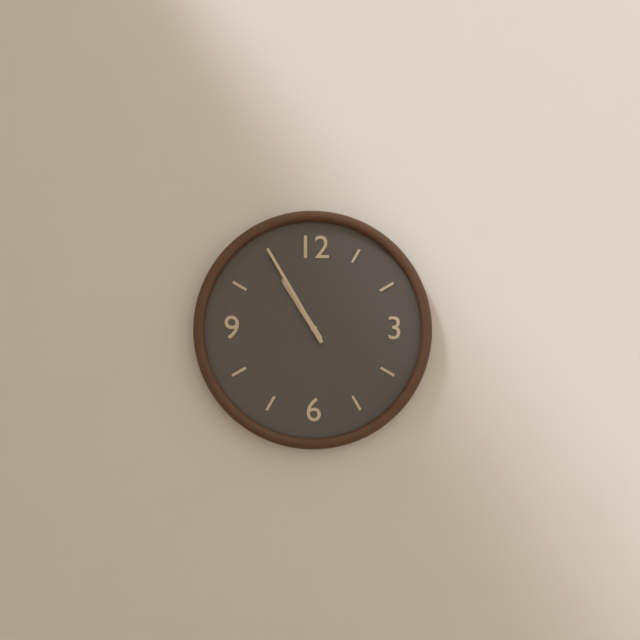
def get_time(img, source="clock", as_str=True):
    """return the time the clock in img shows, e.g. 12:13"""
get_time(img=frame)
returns 10:55
